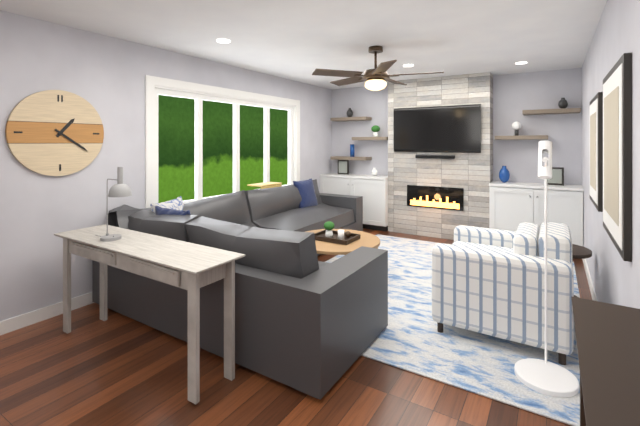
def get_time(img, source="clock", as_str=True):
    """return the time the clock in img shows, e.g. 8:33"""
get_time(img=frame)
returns 1:21
